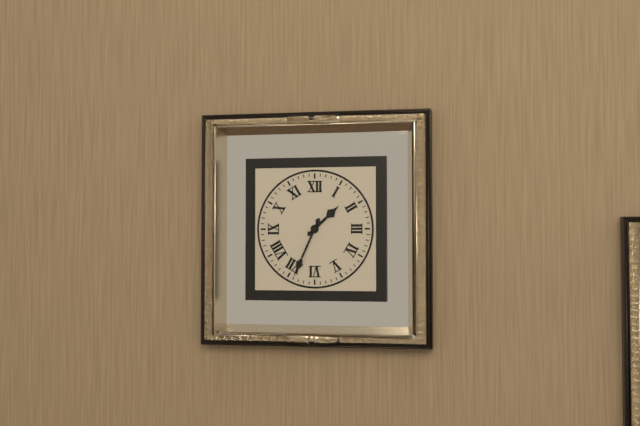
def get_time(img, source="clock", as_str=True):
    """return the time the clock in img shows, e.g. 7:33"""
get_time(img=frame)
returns 1:34
